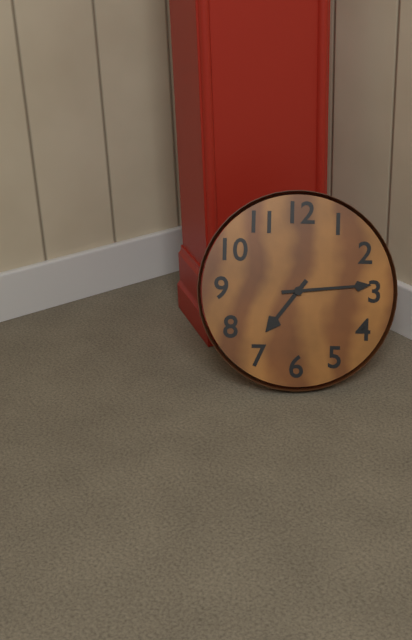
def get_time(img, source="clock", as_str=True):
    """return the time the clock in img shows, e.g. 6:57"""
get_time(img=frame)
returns 7:14
